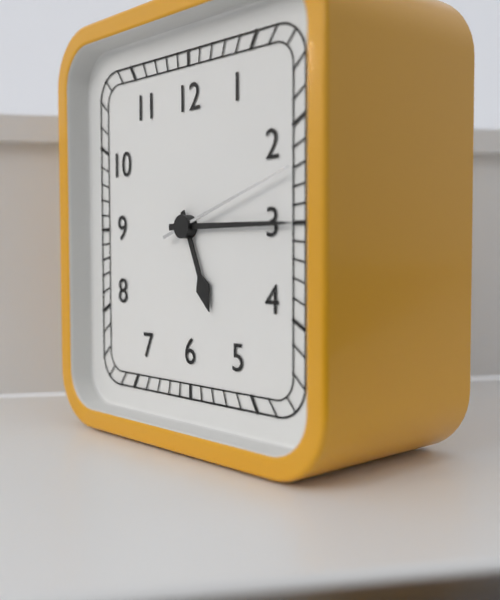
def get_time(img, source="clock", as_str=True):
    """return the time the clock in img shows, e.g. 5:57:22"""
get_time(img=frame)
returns 5:15:12
